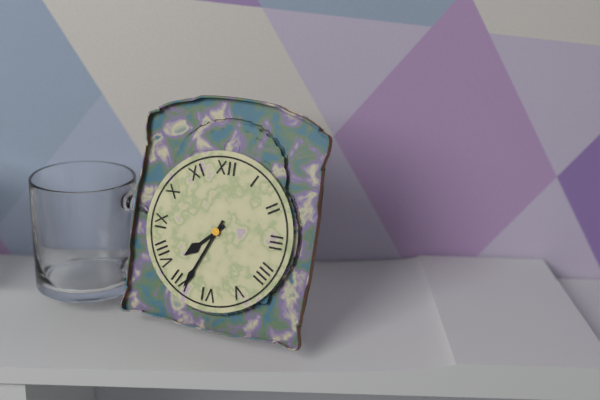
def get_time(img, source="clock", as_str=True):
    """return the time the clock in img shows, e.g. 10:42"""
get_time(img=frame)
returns 7:34
